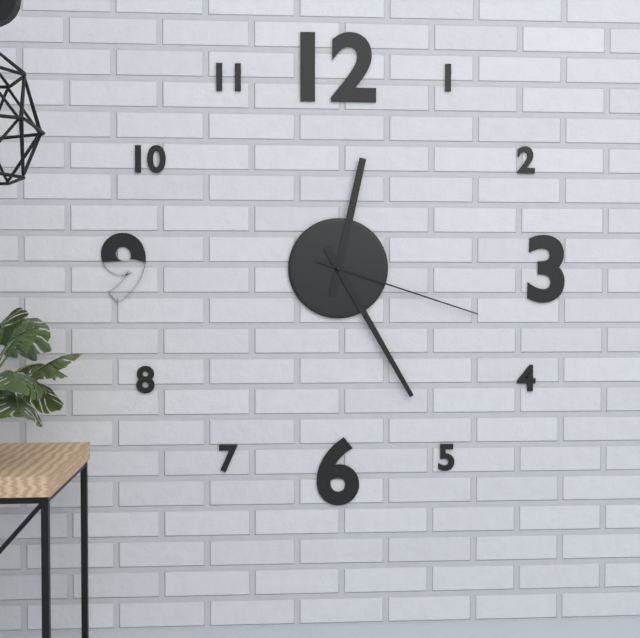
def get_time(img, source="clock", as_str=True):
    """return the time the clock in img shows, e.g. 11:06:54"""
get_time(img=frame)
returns 12:25:18
